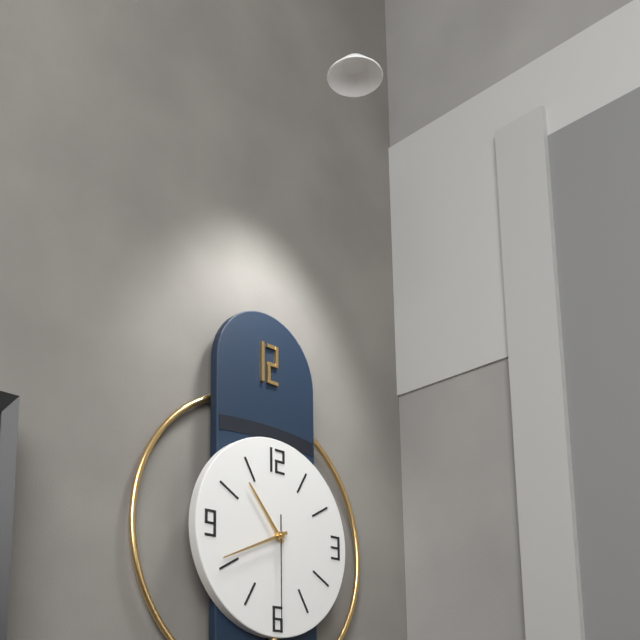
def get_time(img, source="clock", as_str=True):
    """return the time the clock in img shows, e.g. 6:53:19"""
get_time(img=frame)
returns 10:41:30
